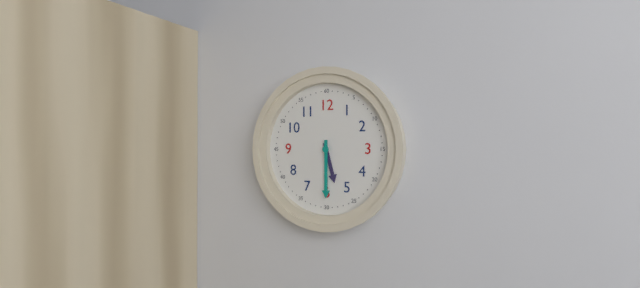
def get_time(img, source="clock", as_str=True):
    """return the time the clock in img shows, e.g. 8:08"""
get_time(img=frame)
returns 5:30
